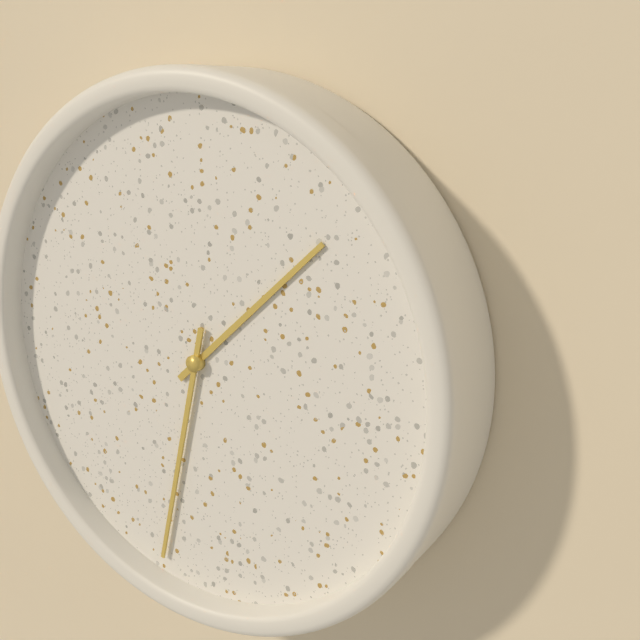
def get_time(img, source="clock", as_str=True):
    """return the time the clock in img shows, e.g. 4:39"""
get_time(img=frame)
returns 1:32
